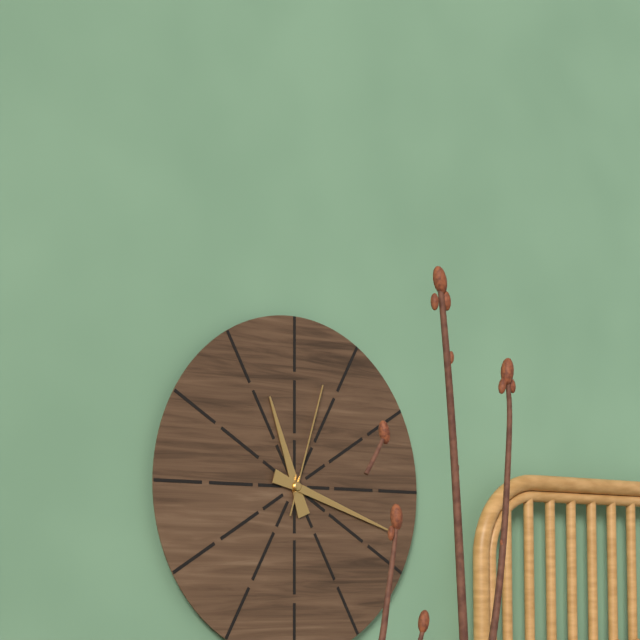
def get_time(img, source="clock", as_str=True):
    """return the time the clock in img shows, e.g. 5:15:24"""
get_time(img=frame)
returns 11:18:03
